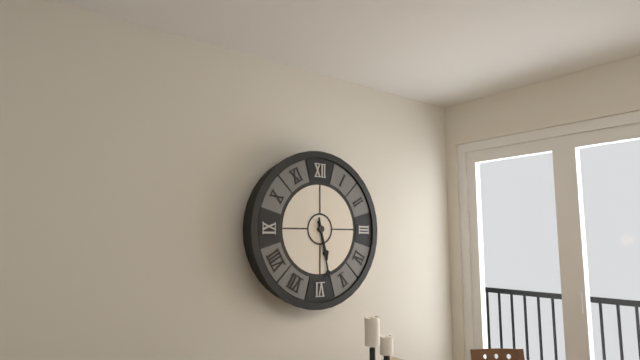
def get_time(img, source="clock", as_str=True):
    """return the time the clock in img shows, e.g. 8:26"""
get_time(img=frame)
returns 5:28
